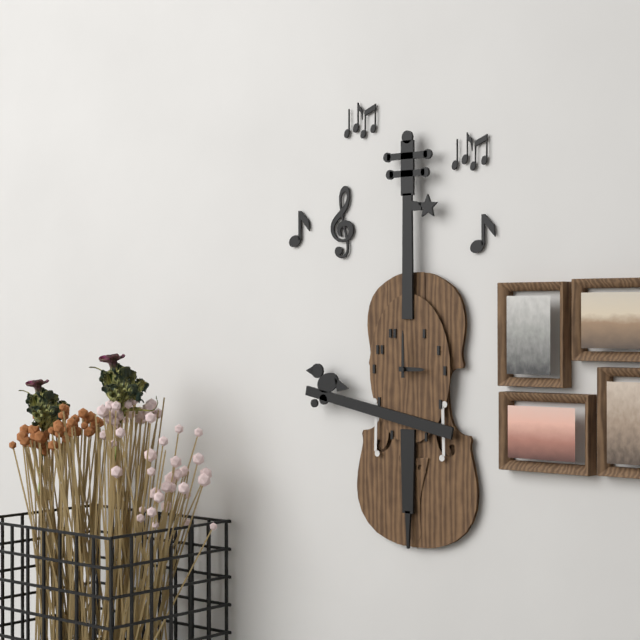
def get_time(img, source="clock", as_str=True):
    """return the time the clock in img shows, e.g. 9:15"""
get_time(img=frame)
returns 3:00
